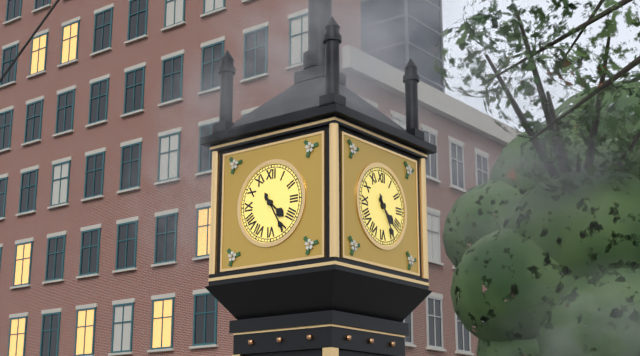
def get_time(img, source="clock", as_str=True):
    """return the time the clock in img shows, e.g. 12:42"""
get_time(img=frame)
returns 4:25
